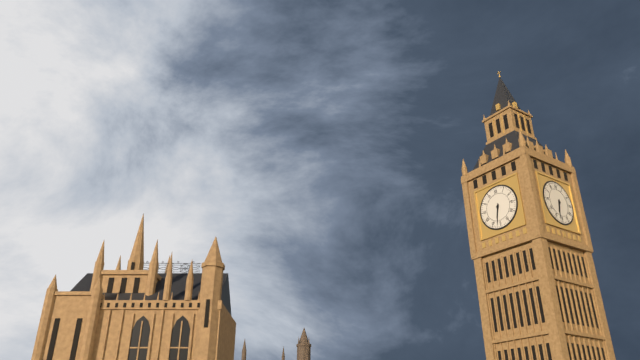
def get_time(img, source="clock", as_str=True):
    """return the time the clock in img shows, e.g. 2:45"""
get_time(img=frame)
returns 6:32
